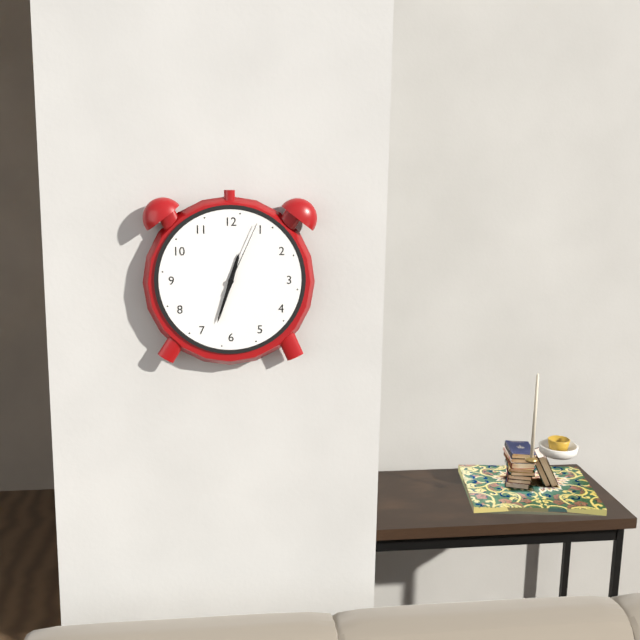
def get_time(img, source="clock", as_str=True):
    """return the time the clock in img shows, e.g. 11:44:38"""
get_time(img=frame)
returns 12:33:04
